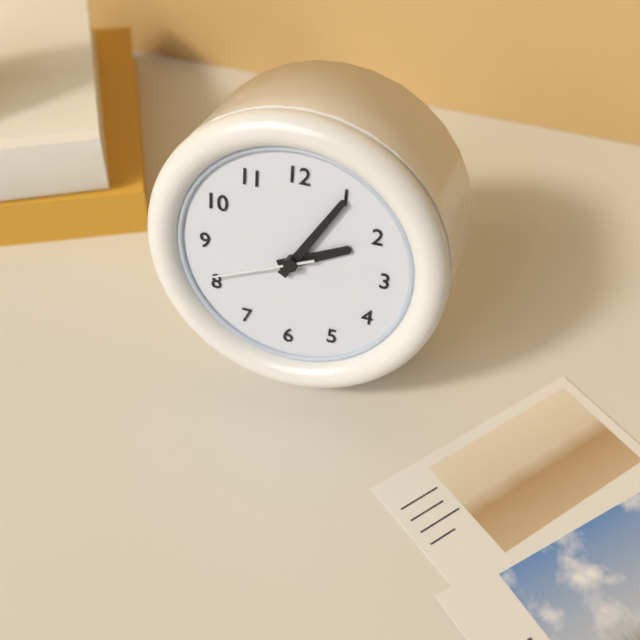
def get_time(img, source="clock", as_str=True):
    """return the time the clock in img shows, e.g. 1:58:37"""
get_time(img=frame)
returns 2:05:41
